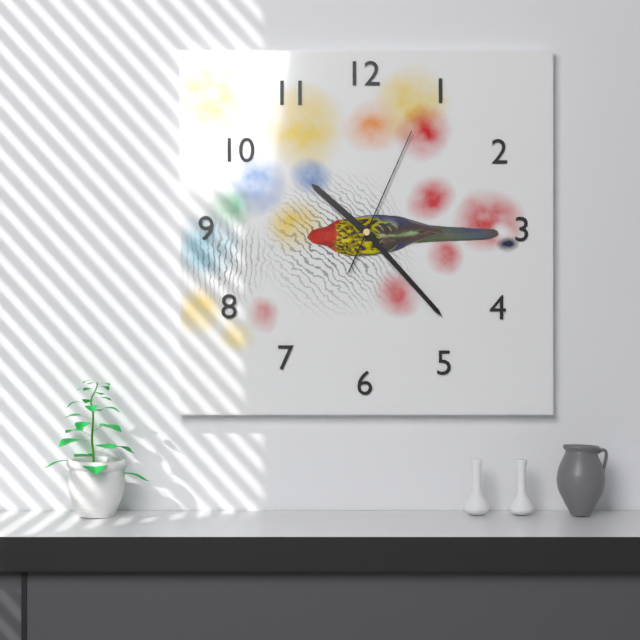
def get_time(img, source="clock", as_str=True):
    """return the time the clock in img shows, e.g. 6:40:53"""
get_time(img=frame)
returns 10:23:04
